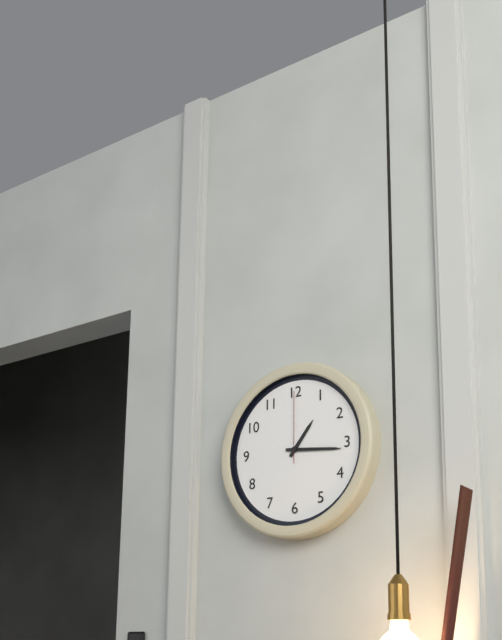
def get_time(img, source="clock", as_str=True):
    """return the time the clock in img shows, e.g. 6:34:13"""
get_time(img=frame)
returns 1:16:00
